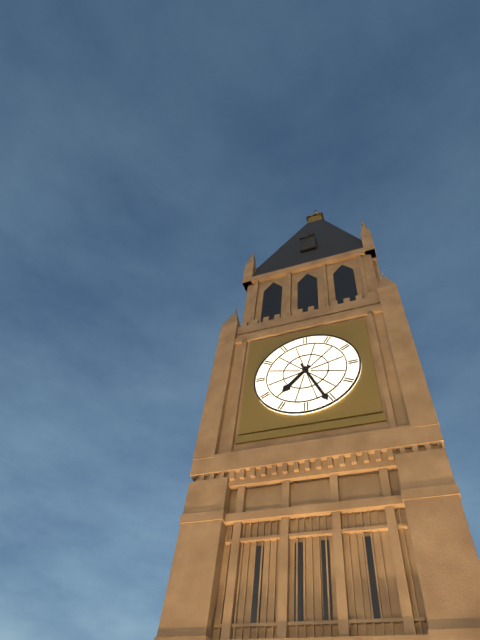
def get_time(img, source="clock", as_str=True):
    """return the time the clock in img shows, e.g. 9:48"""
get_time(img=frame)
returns 7:26
